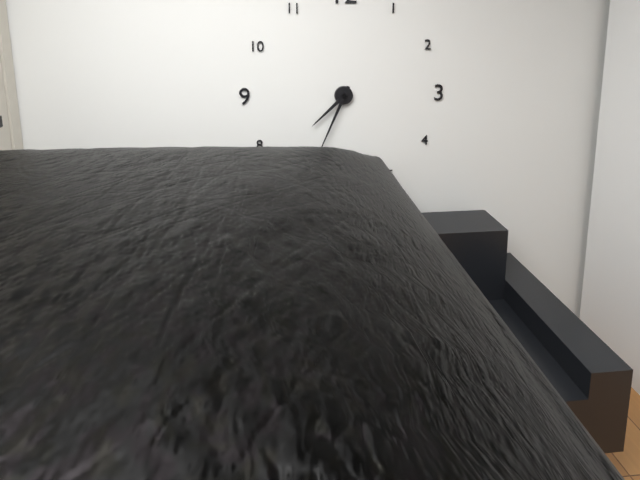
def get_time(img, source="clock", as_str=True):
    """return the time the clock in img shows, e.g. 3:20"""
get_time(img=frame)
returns 7:34
